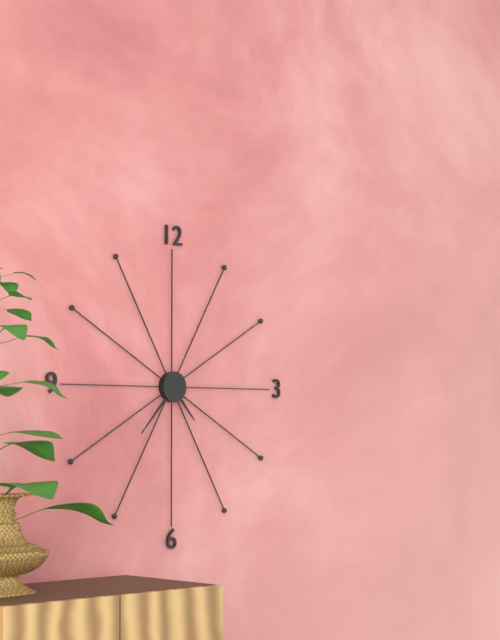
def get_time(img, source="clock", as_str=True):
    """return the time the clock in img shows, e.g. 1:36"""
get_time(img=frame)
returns 4:37
